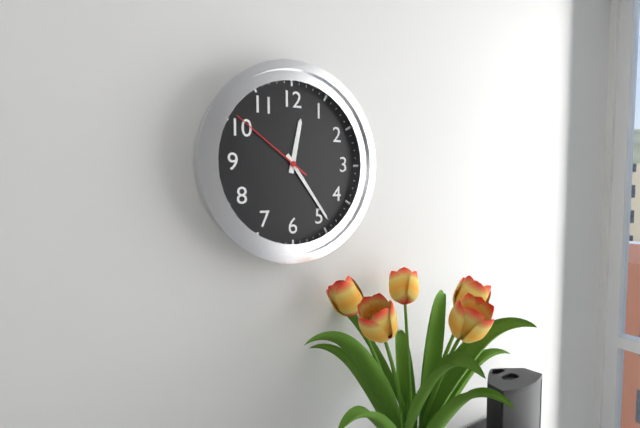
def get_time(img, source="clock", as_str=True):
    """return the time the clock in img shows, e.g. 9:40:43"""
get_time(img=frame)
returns 12:24:51
